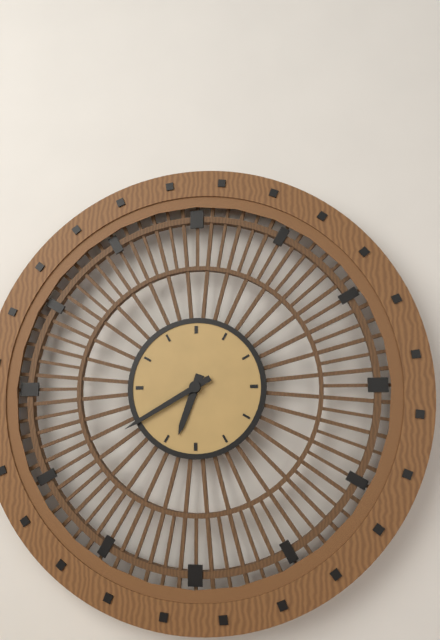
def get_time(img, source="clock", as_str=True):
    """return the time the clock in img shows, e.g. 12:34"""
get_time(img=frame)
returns 6:40
